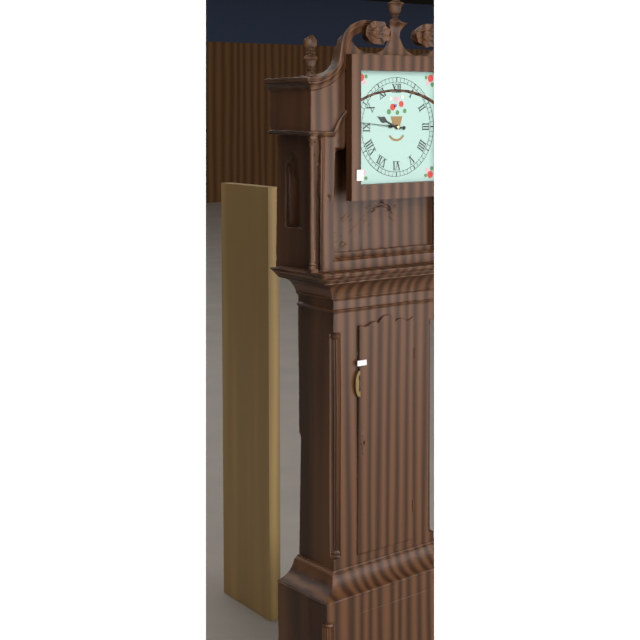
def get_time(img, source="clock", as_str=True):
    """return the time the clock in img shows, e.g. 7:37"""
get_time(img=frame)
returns 9:46
